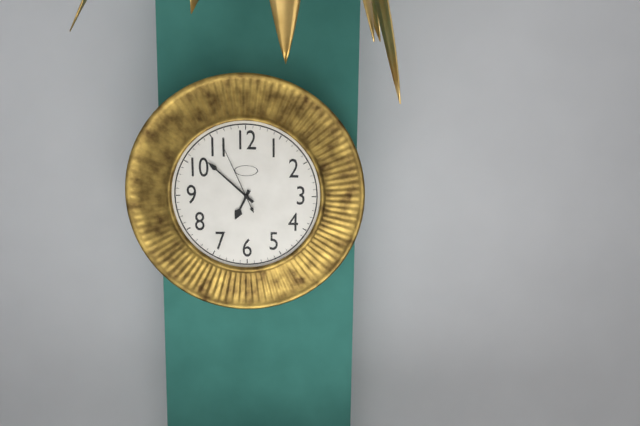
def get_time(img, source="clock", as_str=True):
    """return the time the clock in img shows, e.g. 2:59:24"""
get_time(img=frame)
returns 6:52:56
